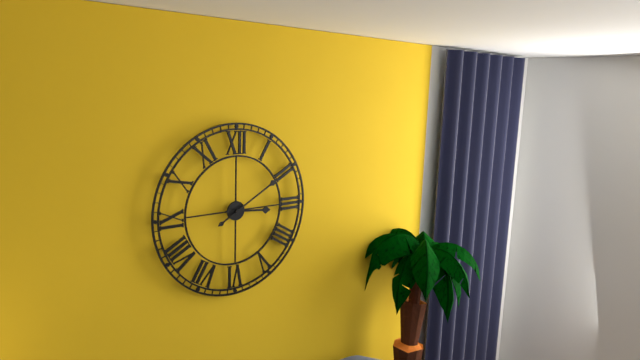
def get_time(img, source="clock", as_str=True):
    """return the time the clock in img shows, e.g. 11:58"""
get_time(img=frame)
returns 3:10
